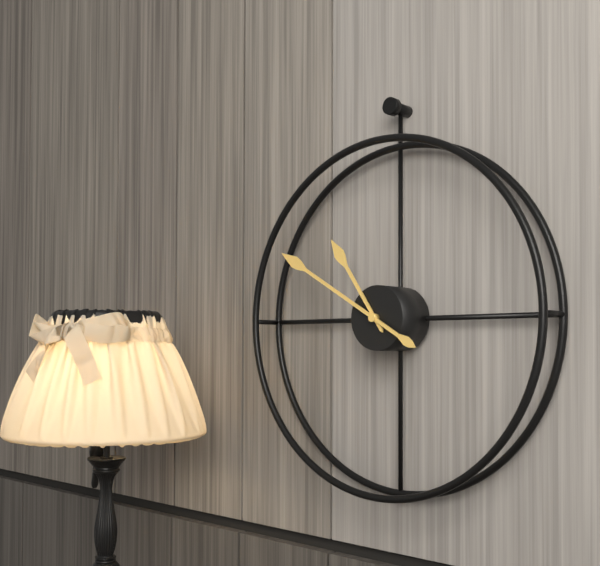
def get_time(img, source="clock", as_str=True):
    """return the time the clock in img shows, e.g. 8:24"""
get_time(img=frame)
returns 10:50
